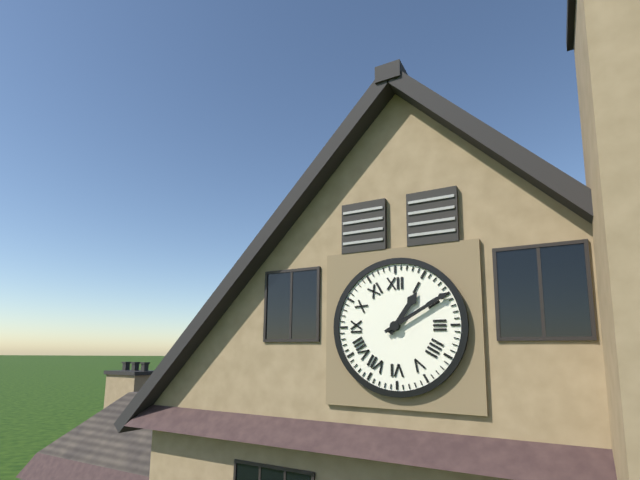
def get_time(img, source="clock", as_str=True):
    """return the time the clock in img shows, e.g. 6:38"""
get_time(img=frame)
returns 1:10
